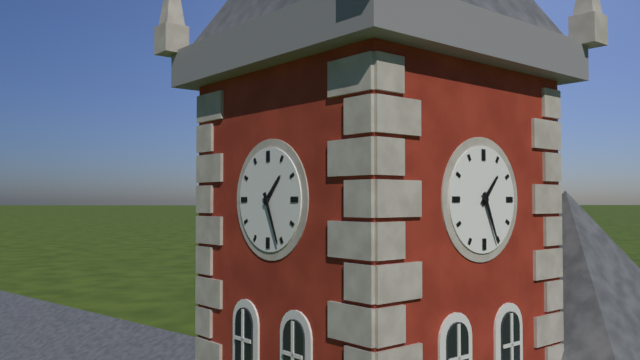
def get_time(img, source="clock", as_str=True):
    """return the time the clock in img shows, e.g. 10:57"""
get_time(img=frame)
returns 1:26
